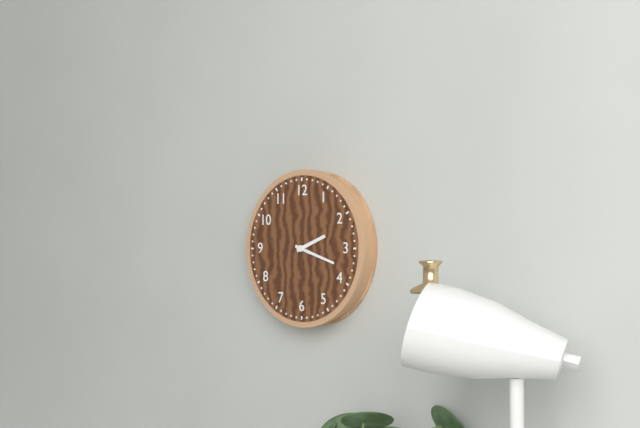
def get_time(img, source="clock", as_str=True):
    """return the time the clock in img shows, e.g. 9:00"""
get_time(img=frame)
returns 2:18
